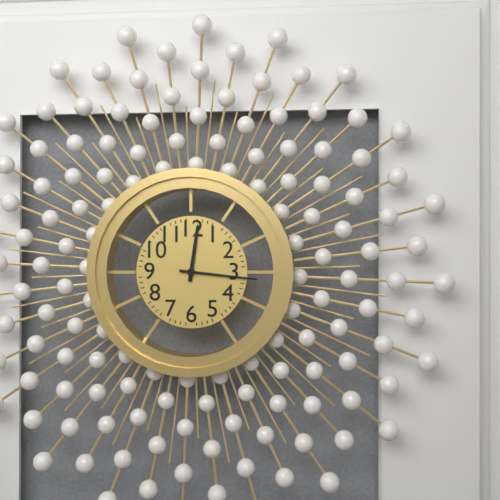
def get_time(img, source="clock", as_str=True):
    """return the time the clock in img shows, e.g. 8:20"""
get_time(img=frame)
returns 12:16
